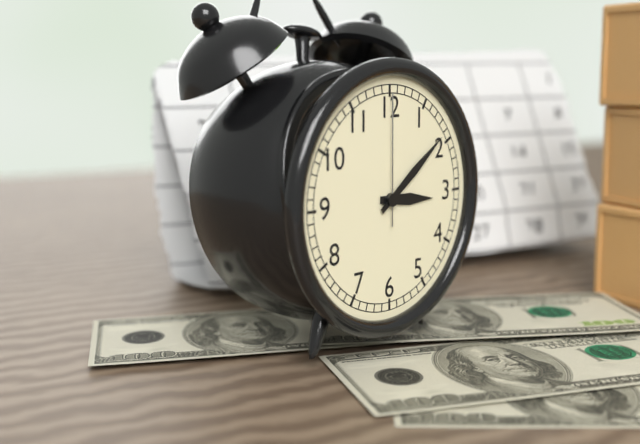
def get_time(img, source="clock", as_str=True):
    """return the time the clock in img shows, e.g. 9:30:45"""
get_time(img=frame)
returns 3:09:00
